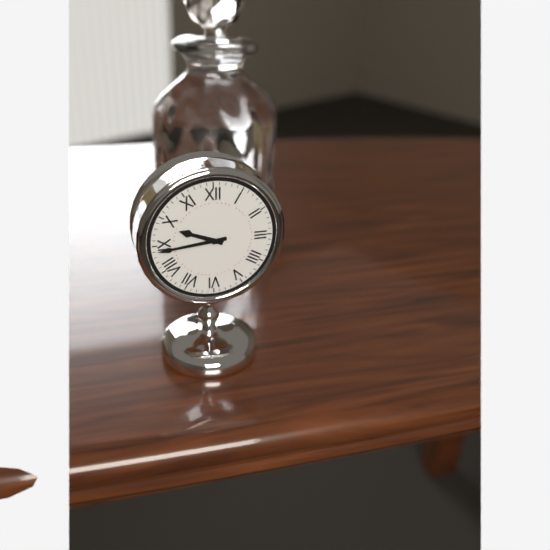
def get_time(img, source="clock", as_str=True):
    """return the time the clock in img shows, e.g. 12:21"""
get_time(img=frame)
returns 9:44
